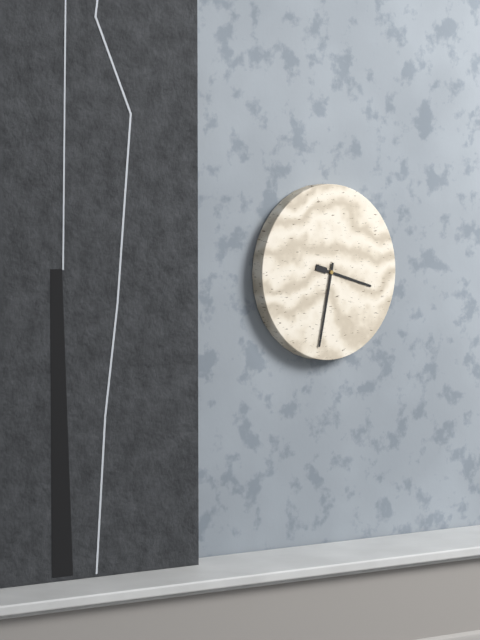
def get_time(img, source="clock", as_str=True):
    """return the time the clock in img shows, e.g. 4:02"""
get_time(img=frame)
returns 3:32
